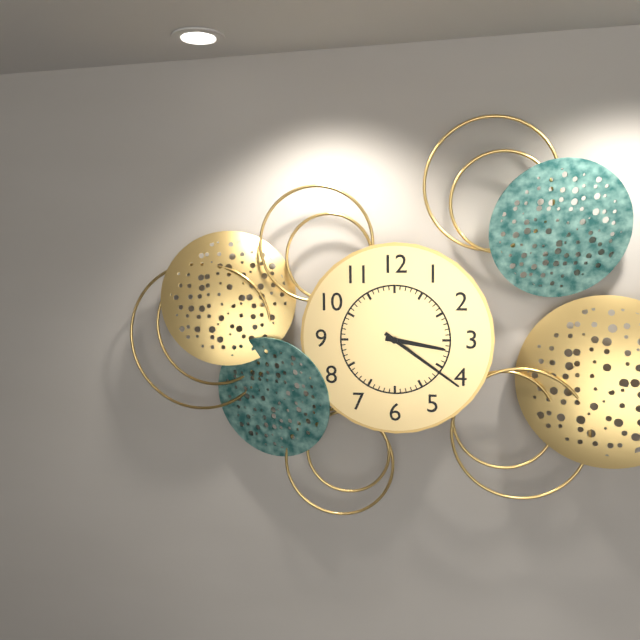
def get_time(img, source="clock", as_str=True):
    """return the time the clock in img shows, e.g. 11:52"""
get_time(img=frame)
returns 3:21
